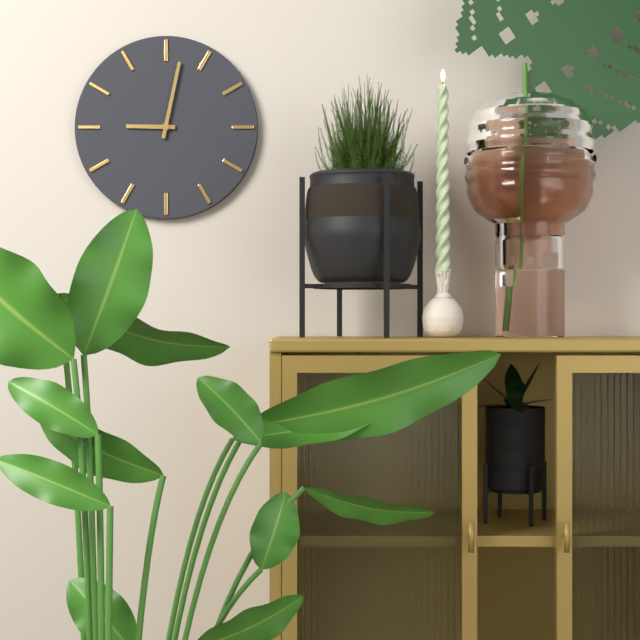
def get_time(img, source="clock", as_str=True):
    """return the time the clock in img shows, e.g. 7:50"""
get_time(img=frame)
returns 9:02
